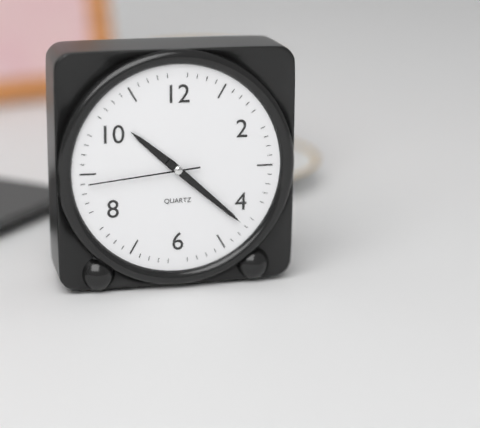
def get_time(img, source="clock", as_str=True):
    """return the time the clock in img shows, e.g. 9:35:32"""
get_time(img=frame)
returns 10:22:44
